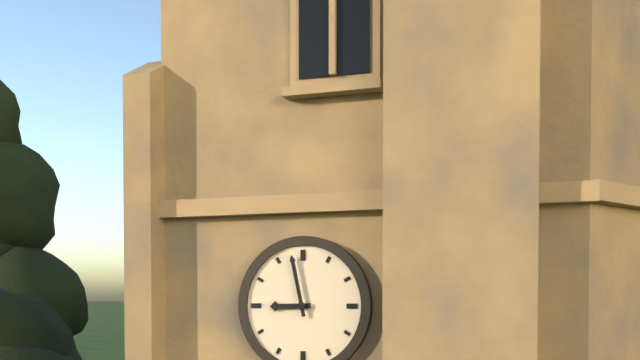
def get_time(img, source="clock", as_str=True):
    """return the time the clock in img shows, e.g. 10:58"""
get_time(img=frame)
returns 8:58
